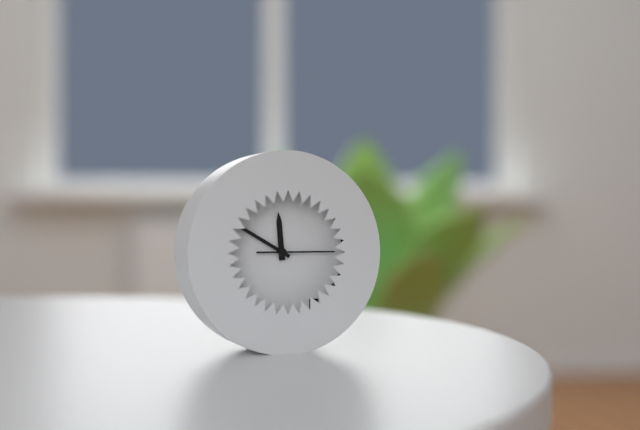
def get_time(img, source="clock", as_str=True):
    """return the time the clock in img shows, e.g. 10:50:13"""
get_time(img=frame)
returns 11:50:15
